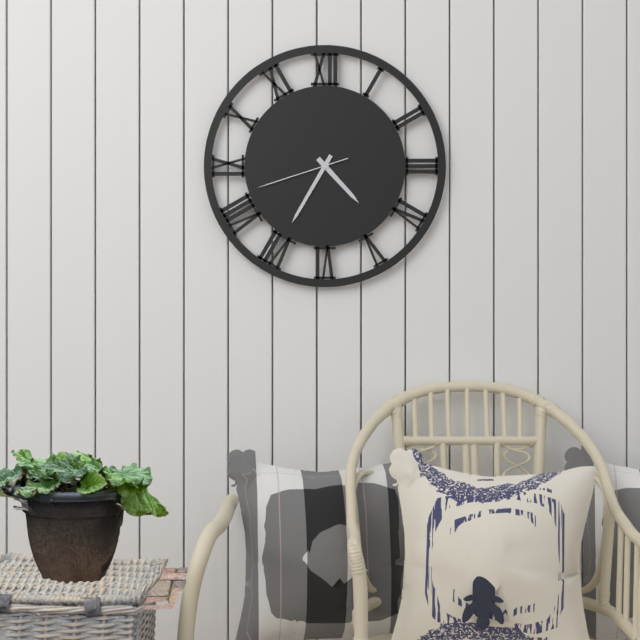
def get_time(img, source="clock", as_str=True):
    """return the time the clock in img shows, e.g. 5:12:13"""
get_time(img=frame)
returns 4:35:42
